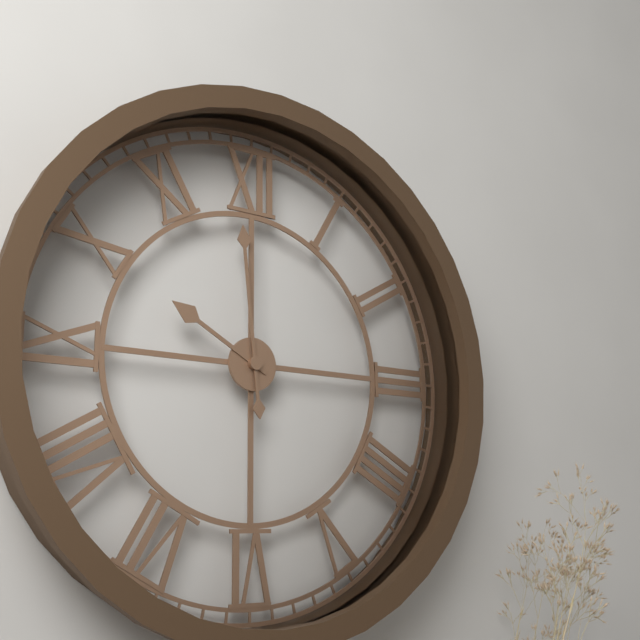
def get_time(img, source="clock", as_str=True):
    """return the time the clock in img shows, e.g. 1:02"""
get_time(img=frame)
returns 9:59
